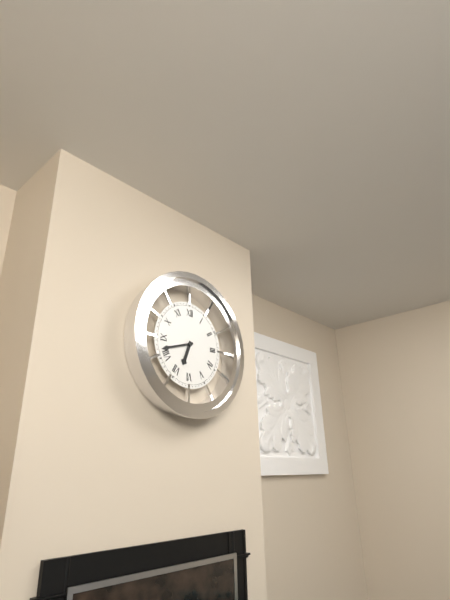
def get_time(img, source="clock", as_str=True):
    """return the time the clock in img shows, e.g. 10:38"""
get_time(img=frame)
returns 6:42
